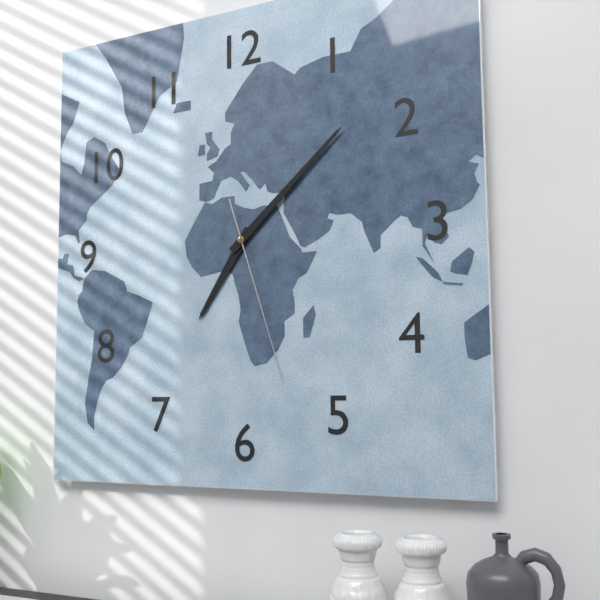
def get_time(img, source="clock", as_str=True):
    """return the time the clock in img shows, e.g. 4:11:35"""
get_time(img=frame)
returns 7:08:27
